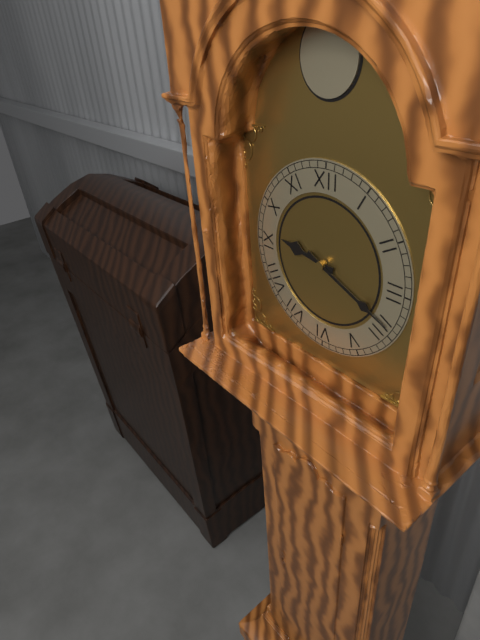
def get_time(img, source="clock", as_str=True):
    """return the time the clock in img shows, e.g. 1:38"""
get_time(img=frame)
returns 9:19
